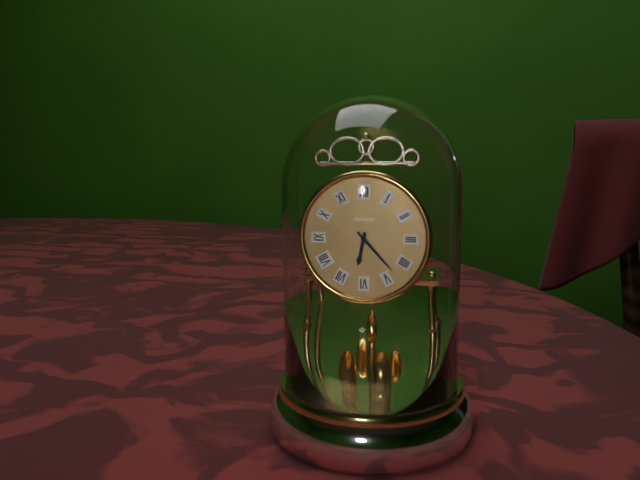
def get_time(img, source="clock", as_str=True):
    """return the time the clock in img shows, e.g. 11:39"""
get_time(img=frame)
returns 6:23
